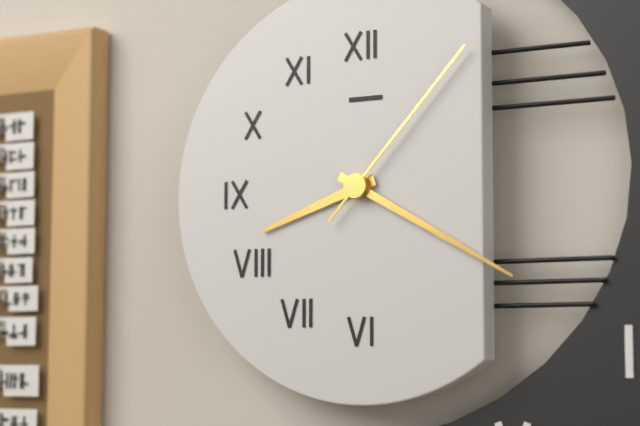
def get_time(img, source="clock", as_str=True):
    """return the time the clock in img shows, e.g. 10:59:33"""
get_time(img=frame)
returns 8:20:07
